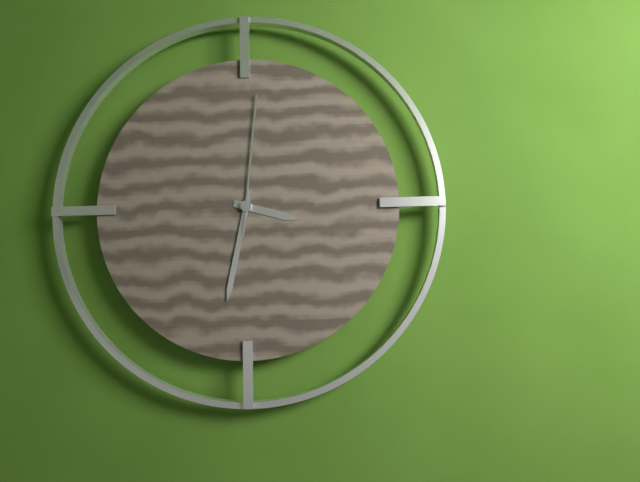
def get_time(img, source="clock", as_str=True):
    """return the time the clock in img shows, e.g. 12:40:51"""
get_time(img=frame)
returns 3:32:01
